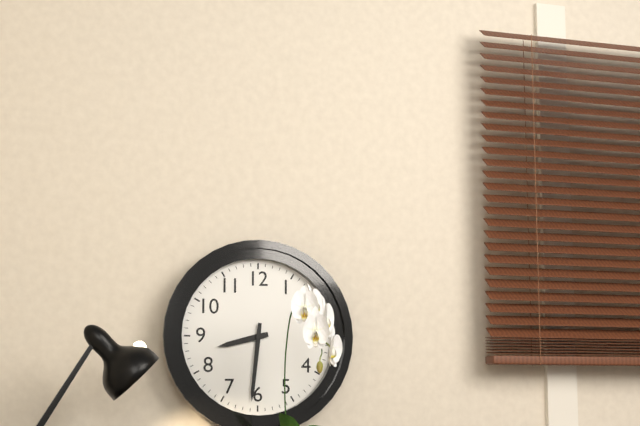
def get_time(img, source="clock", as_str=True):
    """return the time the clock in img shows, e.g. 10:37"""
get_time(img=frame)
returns 8:31
